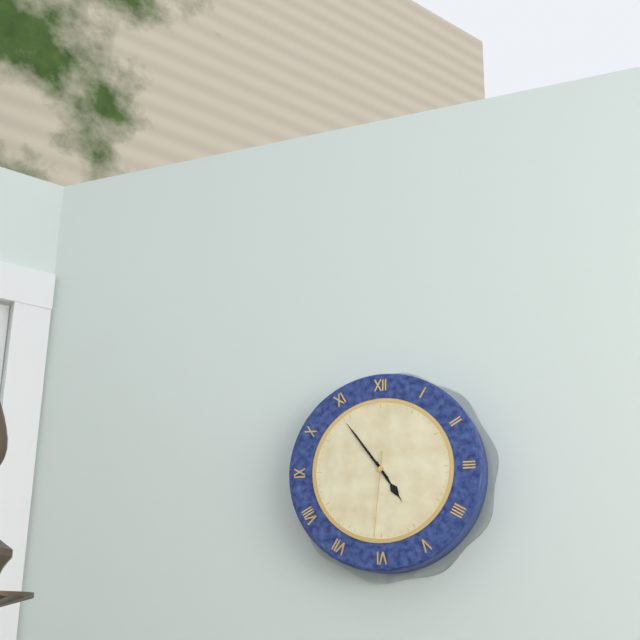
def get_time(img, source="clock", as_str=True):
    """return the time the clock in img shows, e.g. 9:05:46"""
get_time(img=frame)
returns 4:54:31
